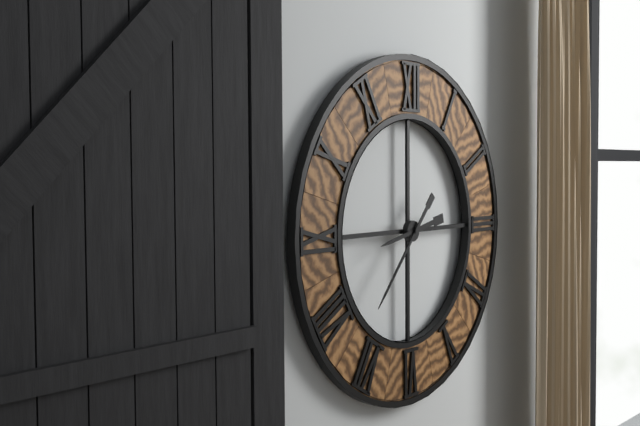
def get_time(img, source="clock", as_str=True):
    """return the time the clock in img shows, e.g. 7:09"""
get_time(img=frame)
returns 8:37
